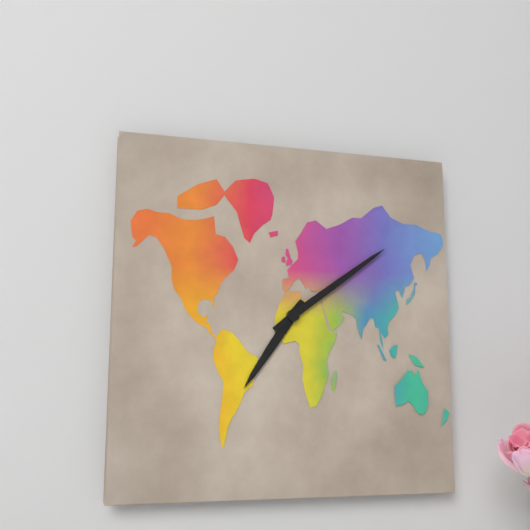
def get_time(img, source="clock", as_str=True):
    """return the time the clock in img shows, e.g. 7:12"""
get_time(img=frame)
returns 7:09
